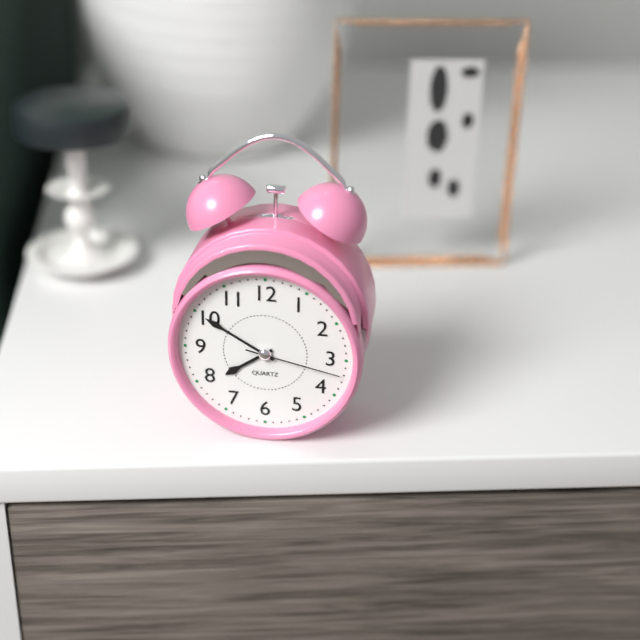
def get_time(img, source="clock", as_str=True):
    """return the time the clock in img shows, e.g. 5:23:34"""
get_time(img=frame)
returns 7:50:17
